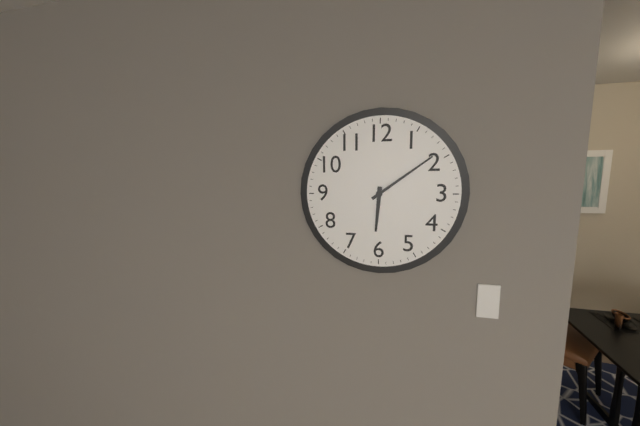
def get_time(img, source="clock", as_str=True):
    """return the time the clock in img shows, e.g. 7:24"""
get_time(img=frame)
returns 6:09
